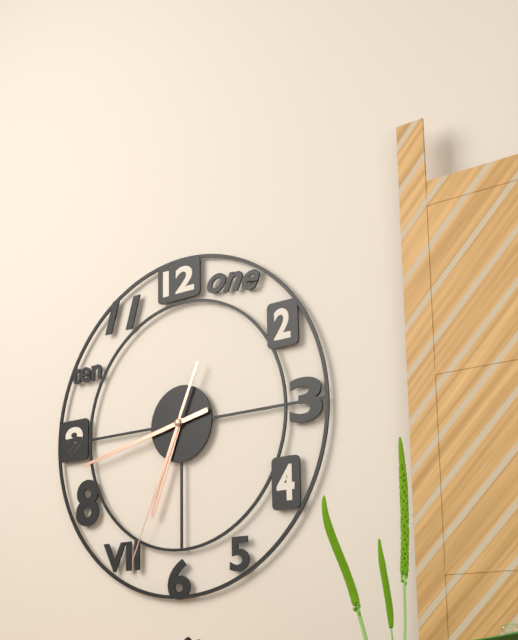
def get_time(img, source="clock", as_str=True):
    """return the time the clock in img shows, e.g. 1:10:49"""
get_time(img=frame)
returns 6:43:34
